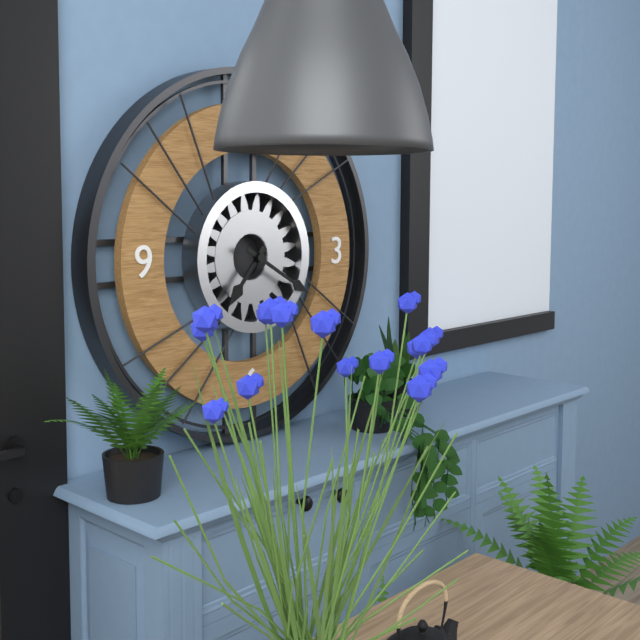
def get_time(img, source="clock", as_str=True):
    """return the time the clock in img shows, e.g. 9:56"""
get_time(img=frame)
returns 7:20
